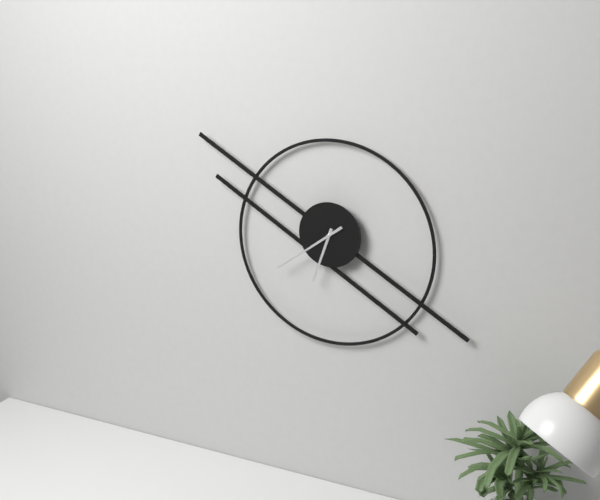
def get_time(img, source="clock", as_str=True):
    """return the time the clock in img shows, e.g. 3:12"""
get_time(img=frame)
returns 6:39
